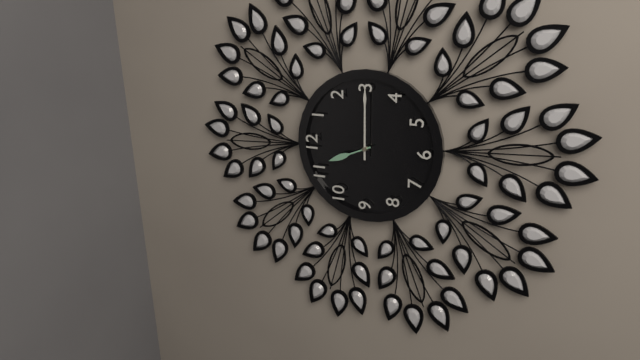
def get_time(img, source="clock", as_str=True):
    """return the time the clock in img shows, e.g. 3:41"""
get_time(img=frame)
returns 11:15
